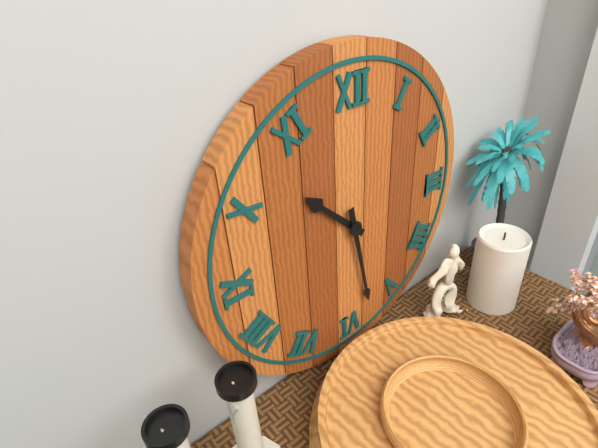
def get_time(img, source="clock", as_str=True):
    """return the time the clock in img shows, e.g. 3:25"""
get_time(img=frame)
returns 10:28
